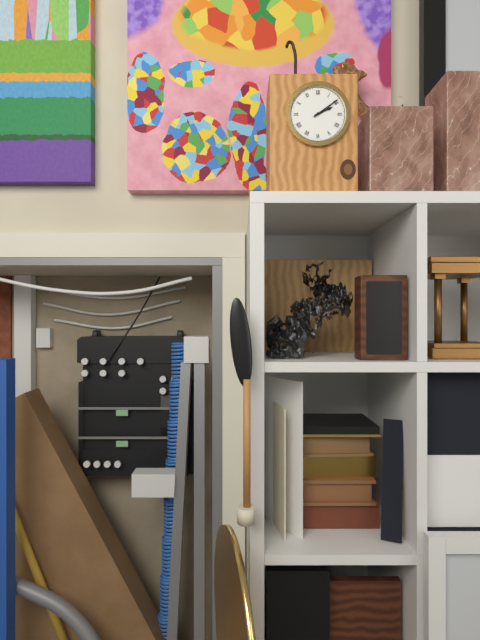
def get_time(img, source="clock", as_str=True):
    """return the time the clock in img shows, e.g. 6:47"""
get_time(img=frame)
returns 2:09
